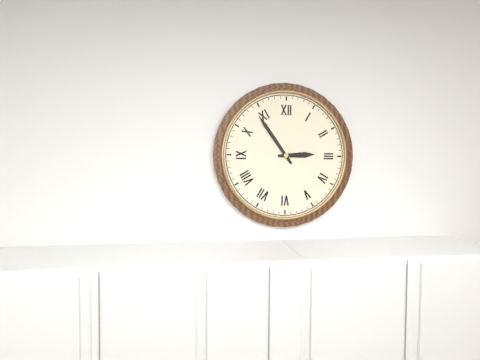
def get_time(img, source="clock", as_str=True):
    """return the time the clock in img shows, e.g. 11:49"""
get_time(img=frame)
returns 2:54
